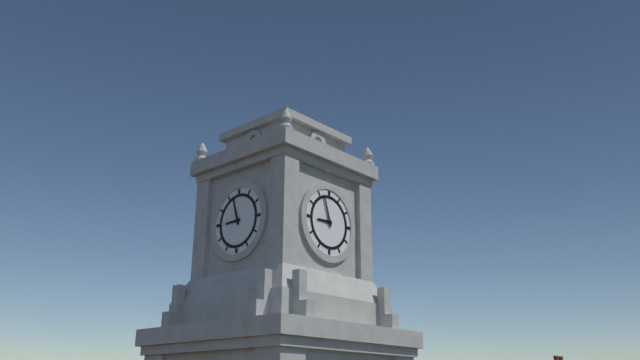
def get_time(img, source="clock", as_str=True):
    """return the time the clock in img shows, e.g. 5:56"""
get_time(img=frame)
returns 8:57
